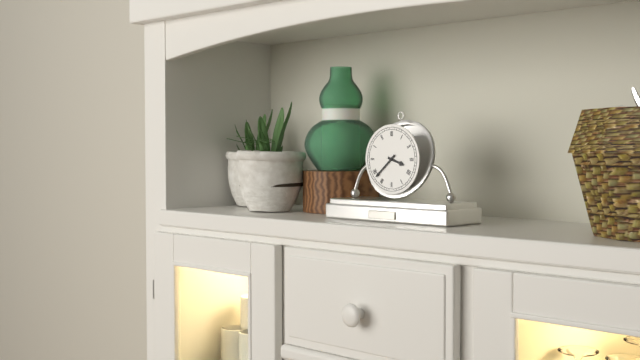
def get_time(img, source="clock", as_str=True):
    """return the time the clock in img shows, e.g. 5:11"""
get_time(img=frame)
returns 3:38
